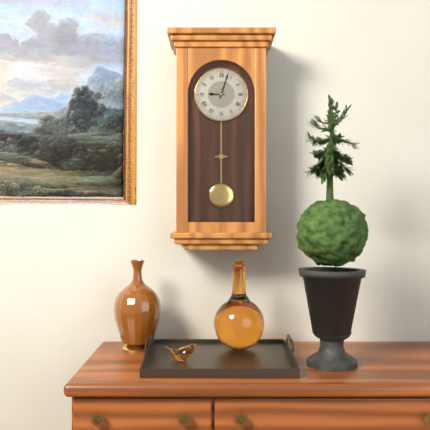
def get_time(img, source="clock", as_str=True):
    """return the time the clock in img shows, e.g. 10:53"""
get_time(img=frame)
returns 9:03
